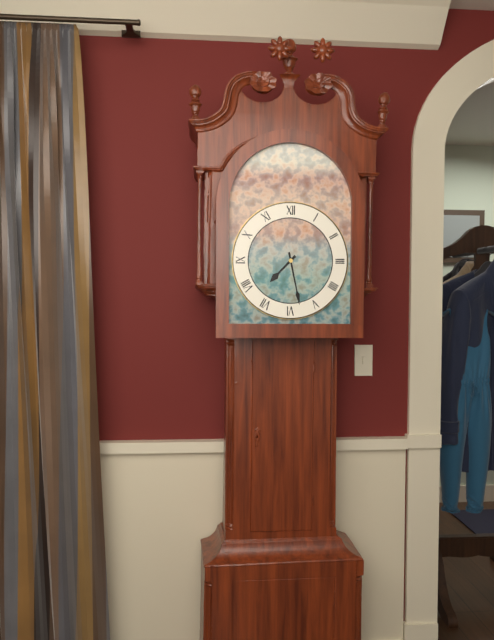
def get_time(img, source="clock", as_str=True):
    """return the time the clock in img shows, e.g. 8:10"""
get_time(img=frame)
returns 7:28
